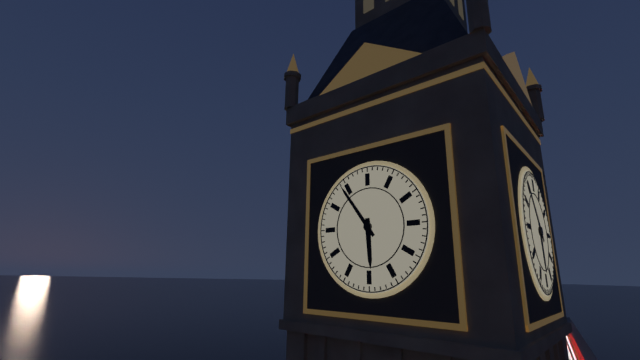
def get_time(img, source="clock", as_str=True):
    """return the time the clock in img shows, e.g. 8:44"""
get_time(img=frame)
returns 5:54
